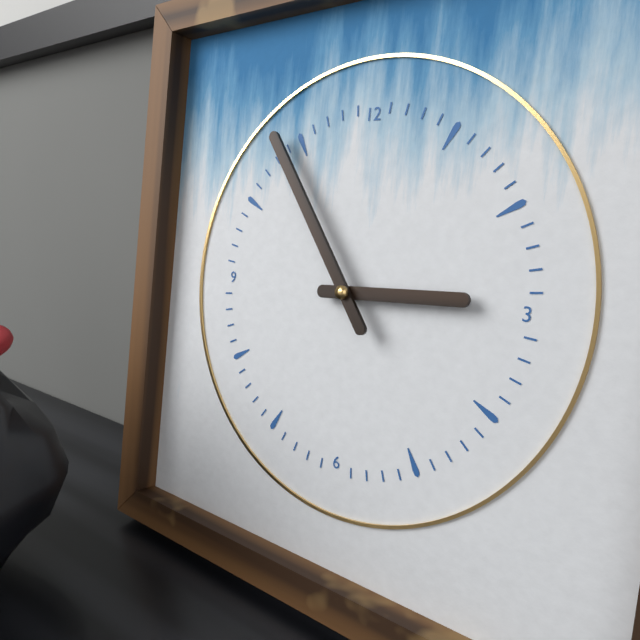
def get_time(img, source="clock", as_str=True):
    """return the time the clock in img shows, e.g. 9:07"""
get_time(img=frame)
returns 2:54
